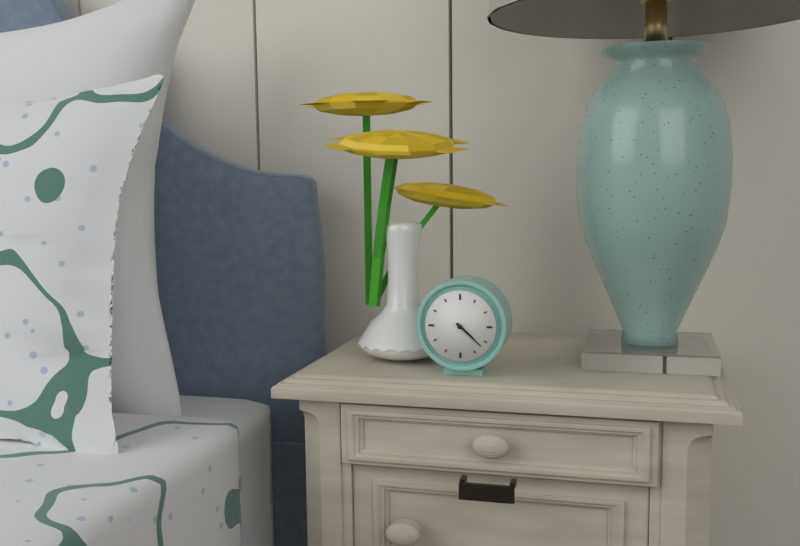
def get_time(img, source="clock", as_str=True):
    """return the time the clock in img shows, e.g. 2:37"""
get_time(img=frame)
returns 4:22
